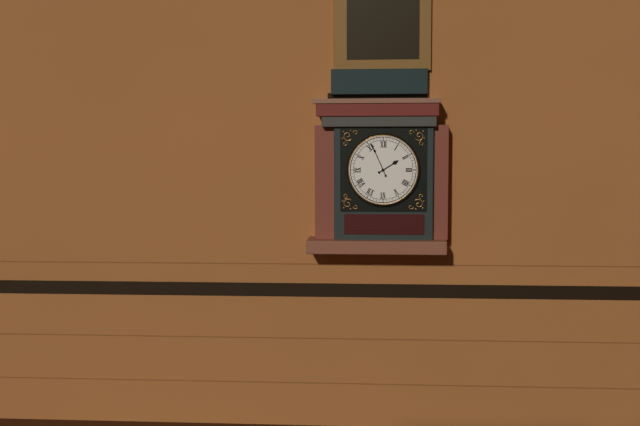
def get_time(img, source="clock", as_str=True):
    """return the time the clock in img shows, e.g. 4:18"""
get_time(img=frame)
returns 1:56
